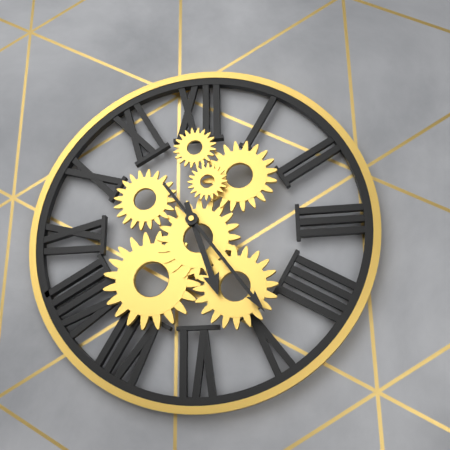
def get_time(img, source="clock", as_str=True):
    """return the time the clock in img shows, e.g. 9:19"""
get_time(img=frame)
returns 5:24
